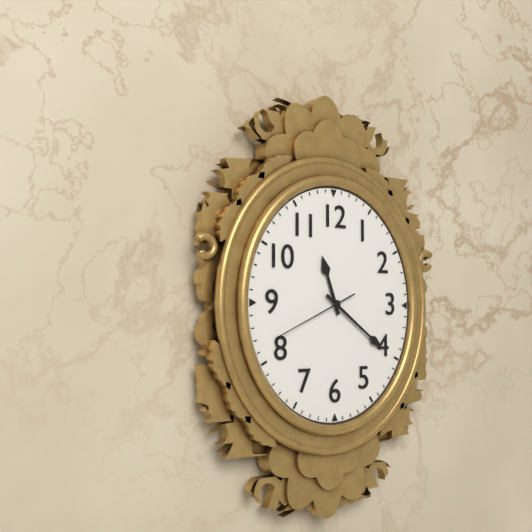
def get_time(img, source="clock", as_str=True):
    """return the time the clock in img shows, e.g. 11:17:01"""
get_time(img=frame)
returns 11:21:41
